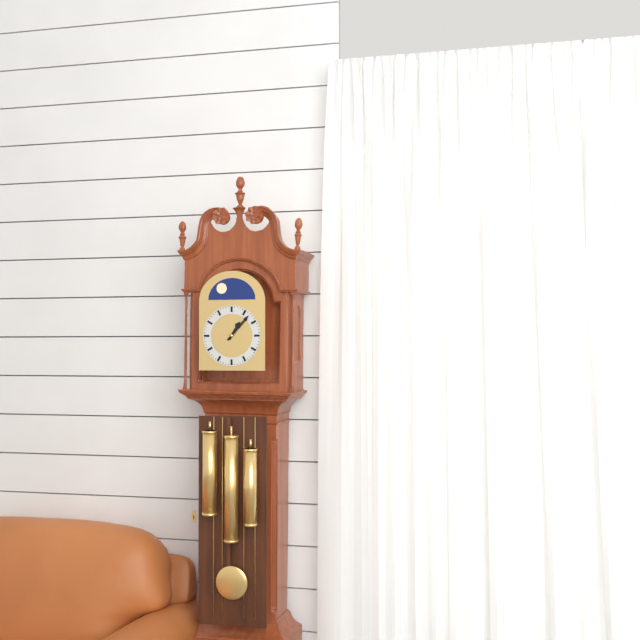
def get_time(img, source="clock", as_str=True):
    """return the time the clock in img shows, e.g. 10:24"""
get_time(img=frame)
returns 1:07
